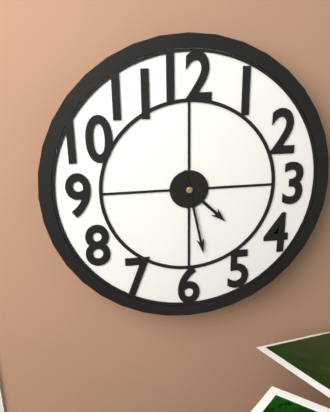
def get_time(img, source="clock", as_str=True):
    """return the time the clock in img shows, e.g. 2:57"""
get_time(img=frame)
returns 4:28
